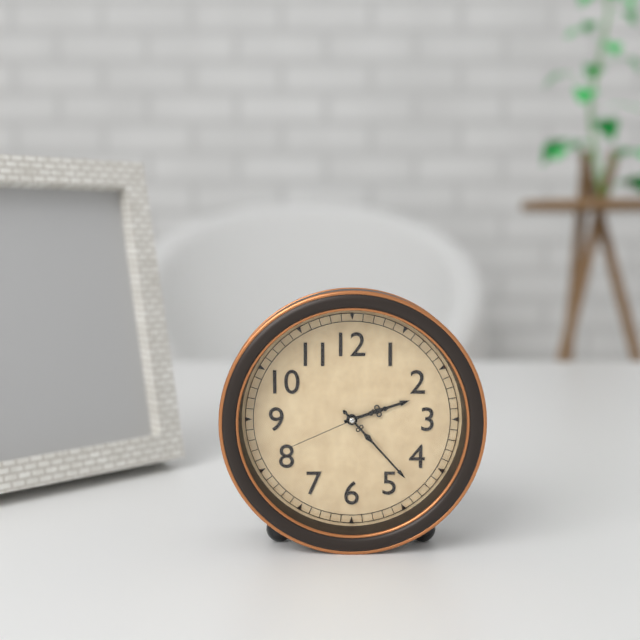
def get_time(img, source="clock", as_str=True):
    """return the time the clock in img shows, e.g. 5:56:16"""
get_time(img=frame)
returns 2:23:41
